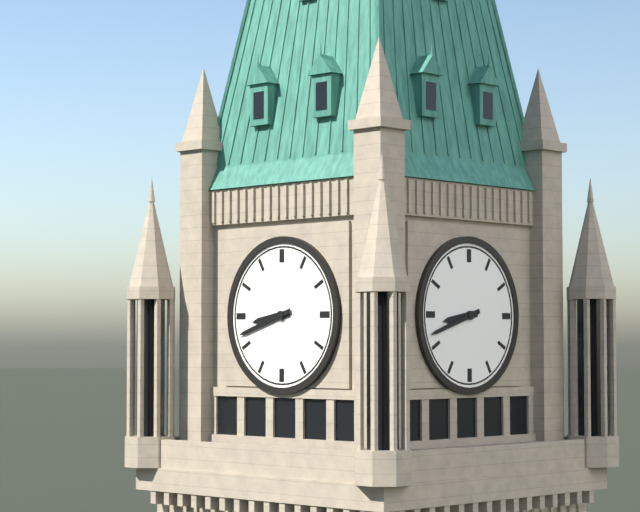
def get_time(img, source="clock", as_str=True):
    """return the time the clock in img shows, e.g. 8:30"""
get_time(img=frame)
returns 8:42
